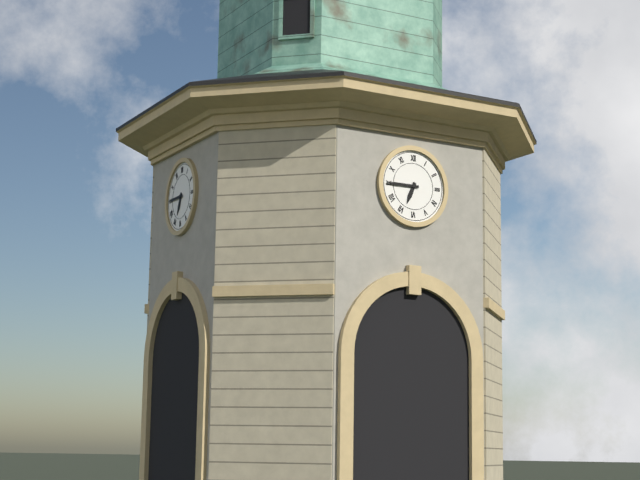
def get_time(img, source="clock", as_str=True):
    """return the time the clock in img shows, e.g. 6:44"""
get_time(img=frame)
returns 6:45
